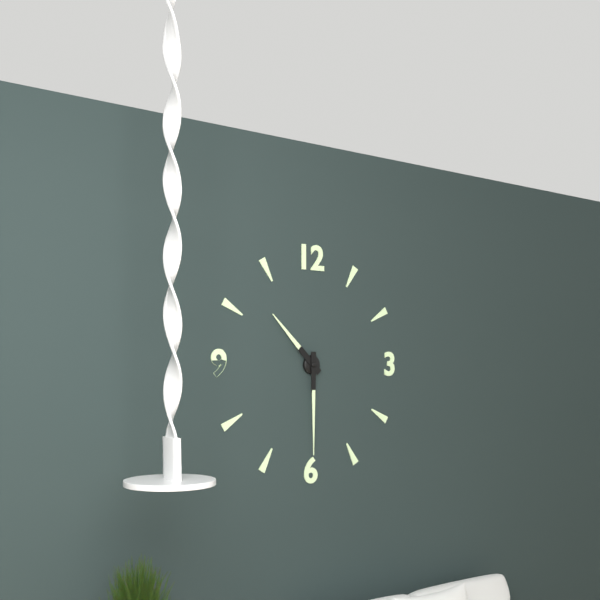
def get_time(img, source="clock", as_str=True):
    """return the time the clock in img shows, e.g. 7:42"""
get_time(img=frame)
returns 10:30
